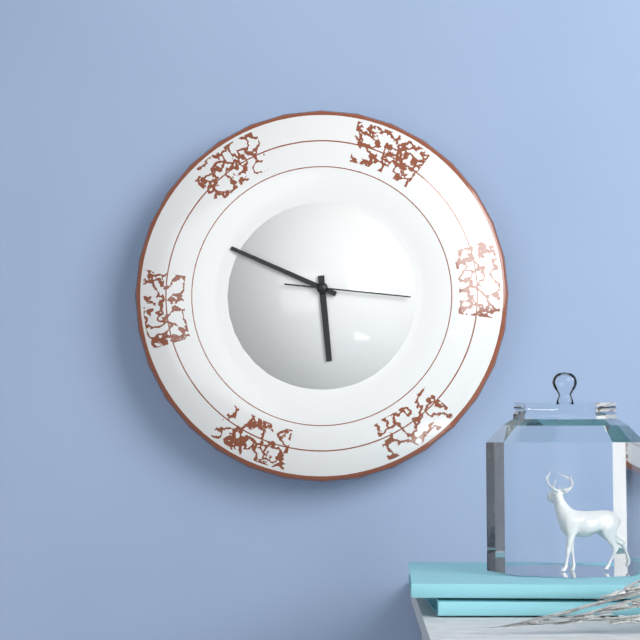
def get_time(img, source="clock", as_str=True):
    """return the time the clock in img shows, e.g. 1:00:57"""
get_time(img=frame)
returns 5:49:16
